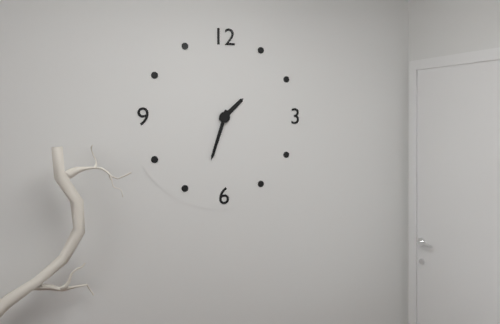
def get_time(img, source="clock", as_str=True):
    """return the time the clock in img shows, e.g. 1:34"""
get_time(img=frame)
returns 1:33
